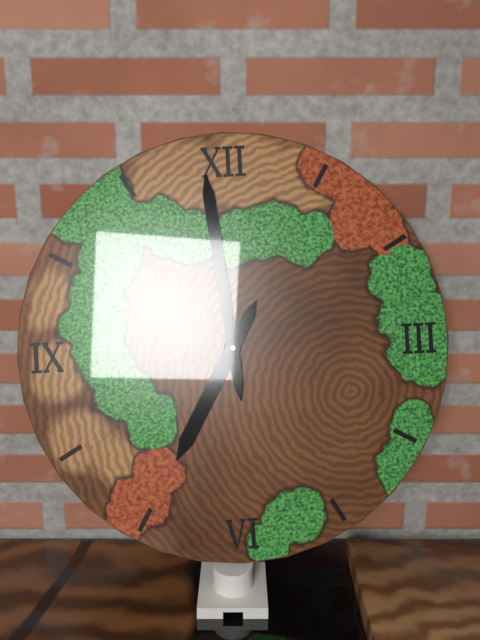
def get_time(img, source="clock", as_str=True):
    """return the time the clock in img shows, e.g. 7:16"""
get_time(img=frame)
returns 6:59
